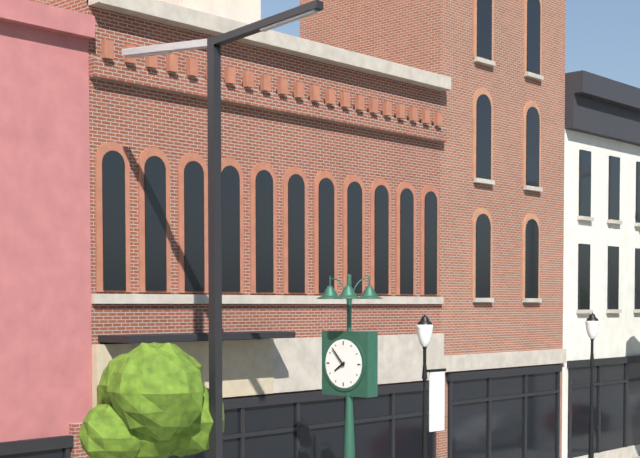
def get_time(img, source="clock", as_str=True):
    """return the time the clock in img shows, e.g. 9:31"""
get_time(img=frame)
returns 7:53
